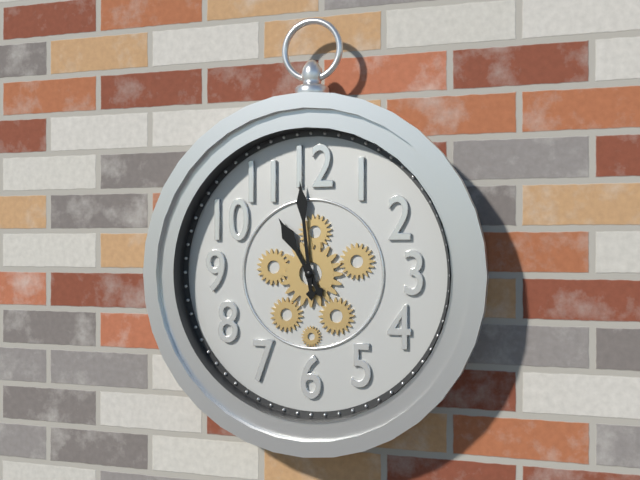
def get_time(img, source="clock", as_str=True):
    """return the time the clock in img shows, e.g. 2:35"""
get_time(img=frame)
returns 10:59
